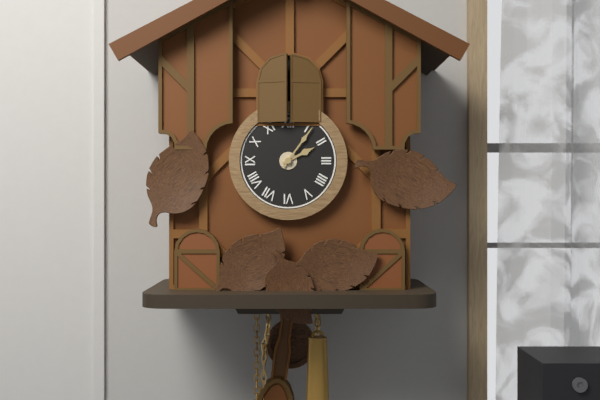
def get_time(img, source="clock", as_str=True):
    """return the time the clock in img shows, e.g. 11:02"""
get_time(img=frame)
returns 2:06
